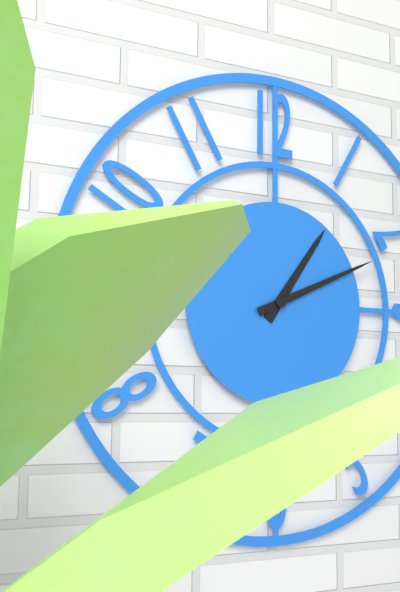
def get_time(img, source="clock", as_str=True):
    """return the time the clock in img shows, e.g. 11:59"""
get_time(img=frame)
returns 1:11
